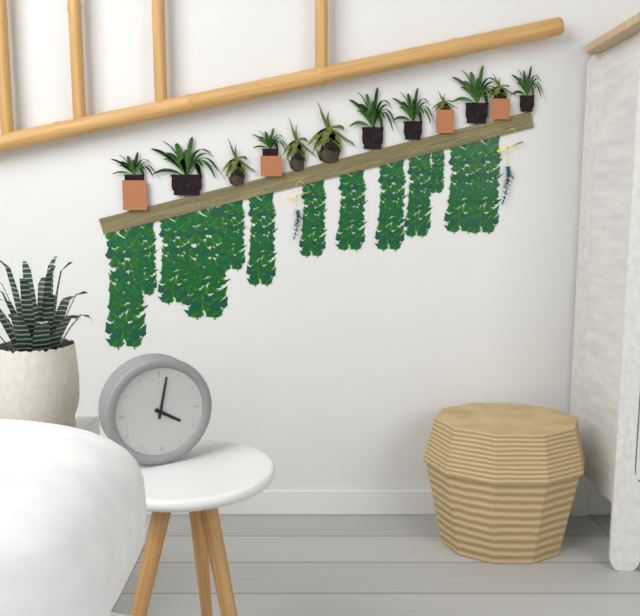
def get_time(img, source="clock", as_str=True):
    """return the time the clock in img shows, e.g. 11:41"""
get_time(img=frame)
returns 4:02
